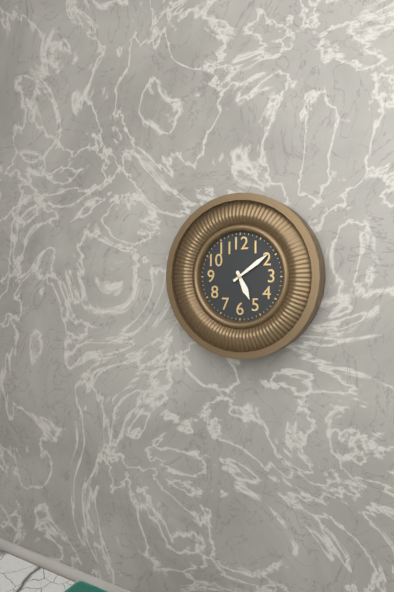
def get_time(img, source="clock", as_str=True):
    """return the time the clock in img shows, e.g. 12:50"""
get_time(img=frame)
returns 5:09
